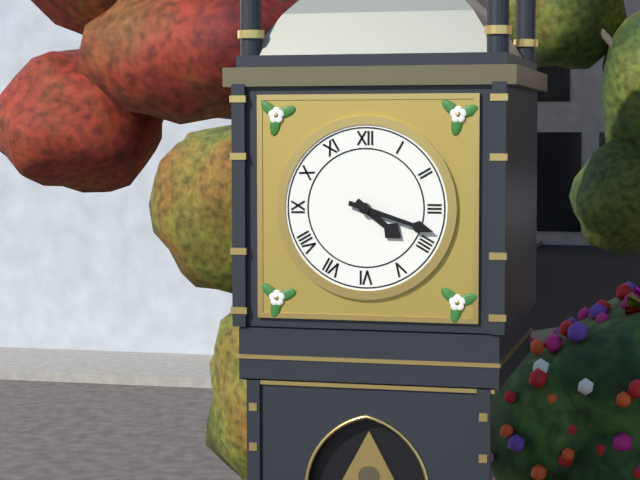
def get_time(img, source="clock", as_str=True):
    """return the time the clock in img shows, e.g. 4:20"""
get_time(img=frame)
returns 4:18
